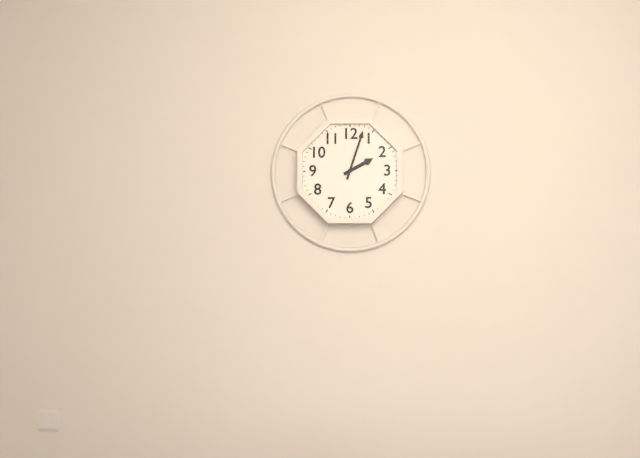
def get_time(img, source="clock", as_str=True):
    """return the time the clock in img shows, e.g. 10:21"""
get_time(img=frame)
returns 2:03
